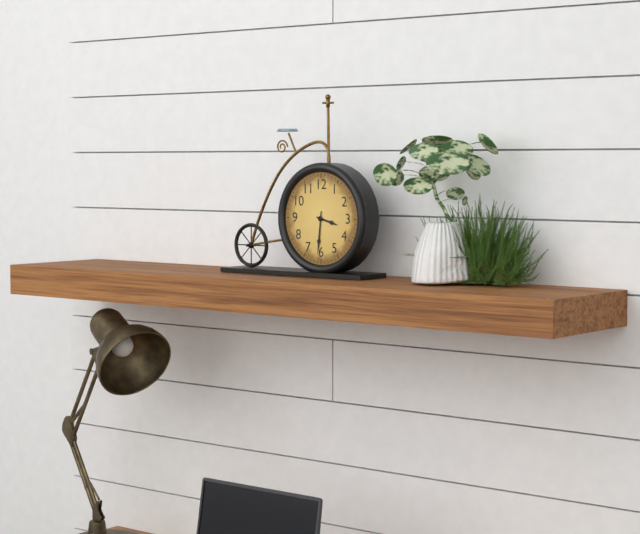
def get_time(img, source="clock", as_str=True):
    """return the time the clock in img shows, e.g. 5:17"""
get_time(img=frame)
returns 3:31
